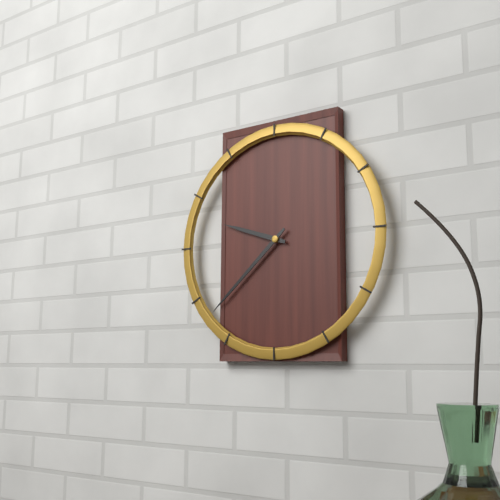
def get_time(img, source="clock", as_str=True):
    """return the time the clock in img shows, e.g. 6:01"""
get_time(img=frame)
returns 9:38
